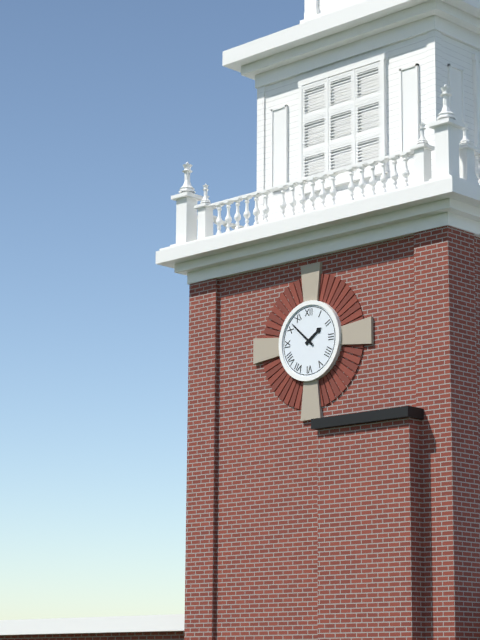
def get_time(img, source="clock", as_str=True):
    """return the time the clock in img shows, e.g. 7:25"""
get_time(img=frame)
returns 1:52
